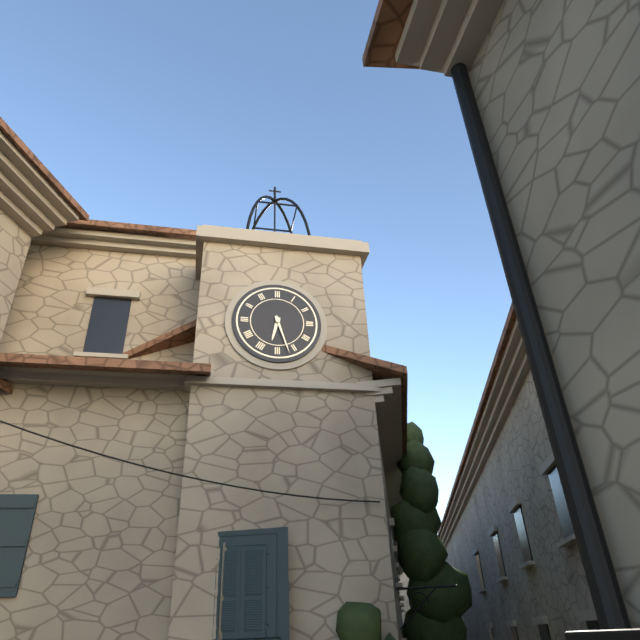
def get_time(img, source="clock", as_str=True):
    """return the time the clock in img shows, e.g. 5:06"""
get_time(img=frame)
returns 6:27
